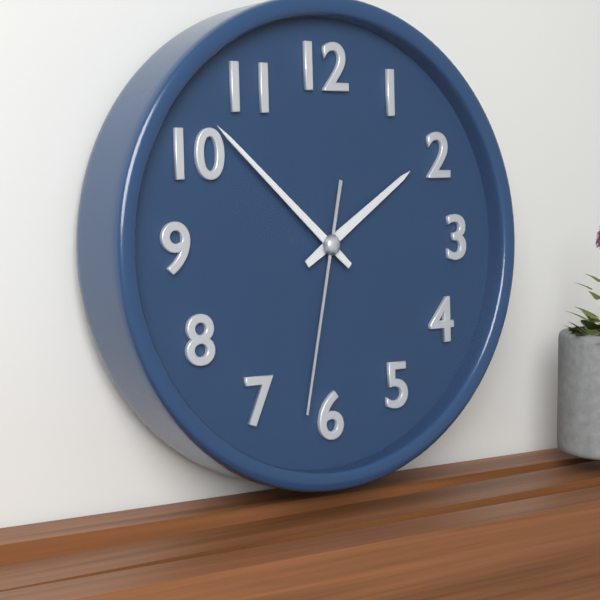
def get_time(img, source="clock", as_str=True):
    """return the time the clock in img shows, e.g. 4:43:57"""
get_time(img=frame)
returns 1:52:32
